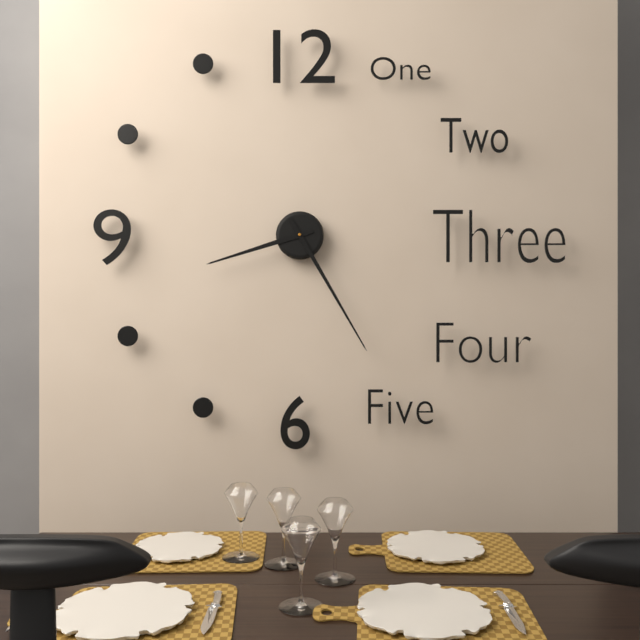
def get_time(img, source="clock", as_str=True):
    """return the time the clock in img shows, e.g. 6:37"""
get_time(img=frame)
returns 8:25
